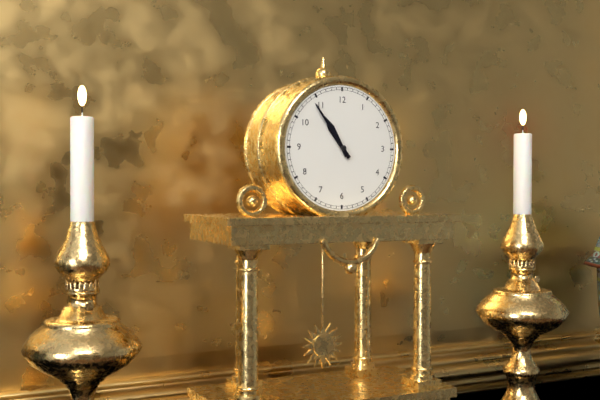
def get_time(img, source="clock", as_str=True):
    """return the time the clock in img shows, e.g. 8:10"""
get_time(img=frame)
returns 10:54
